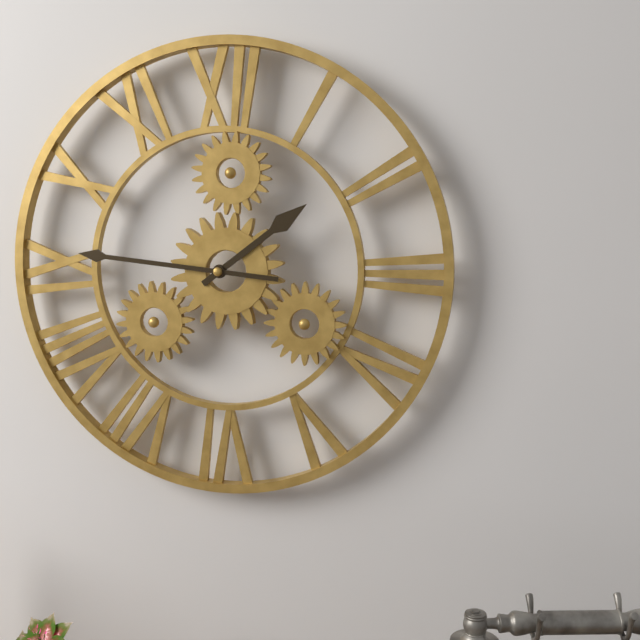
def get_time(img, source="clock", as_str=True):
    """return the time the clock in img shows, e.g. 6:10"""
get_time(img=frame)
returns 1:46
